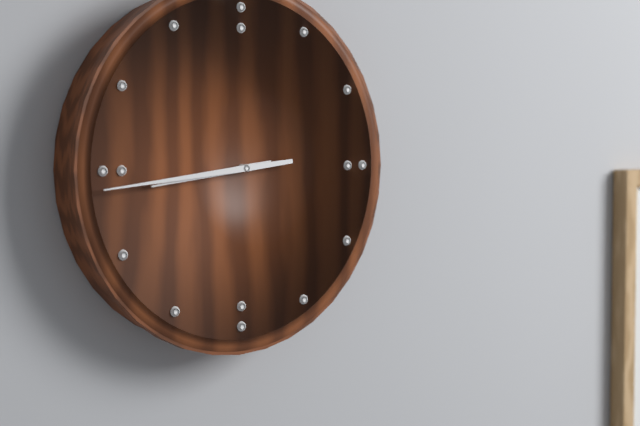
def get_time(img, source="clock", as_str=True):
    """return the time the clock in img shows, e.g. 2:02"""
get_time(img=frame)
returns 8:44
